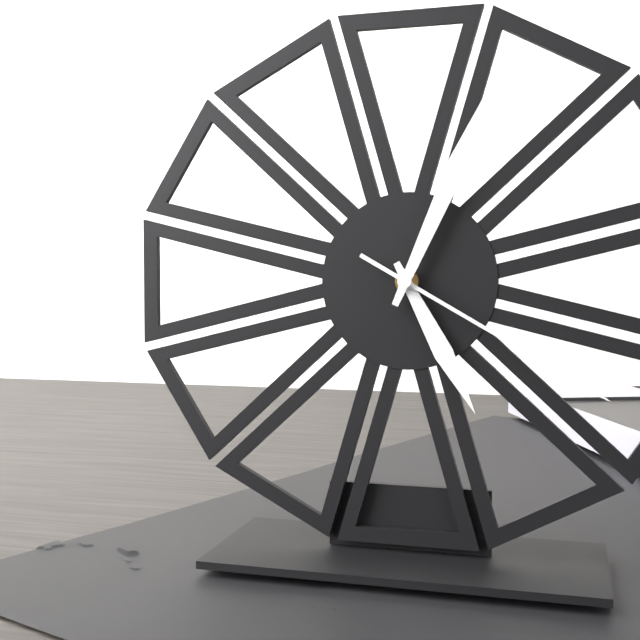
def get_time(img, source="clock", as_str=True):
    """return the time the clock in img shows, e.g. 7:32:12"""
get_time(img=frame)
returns 5:04:20
